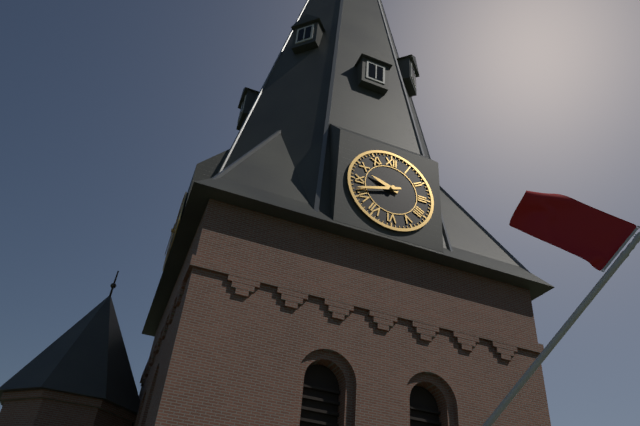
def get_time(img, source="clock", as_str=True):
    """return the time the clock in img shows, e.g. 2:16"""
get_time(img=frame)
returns 9:42
